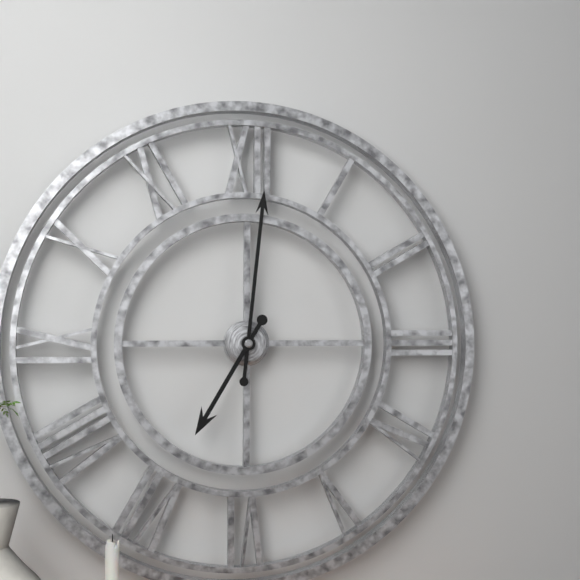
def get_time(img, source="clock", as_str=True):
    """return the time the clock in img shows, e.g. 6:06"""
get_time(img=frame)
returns 7:01
